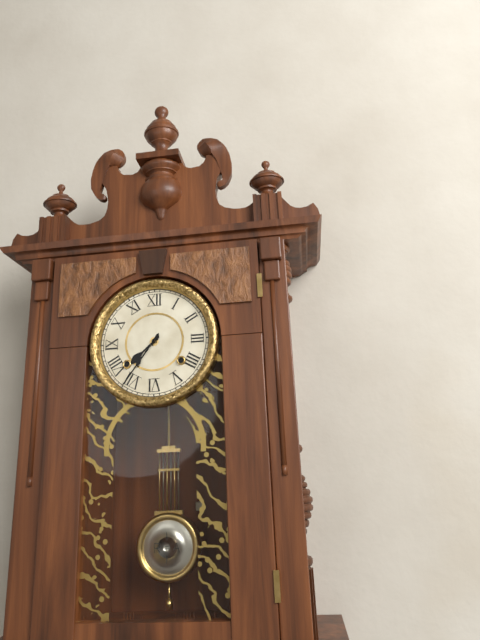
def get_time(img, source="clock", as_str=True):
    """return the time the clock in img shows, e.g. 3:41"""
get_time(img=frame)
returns 7:36
